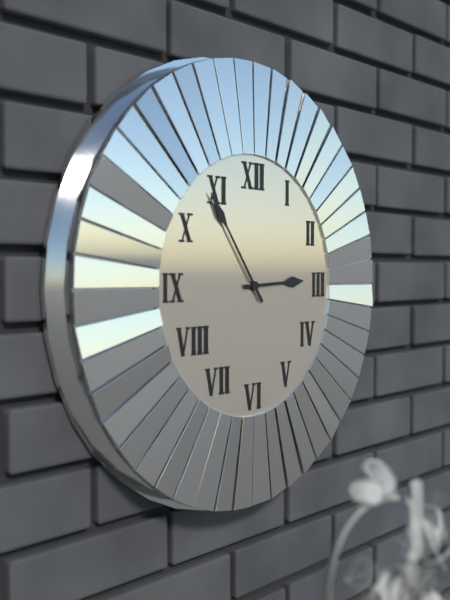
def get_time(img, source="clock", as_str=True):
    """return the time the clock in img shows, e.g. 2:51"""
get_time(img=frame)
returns 2:54
